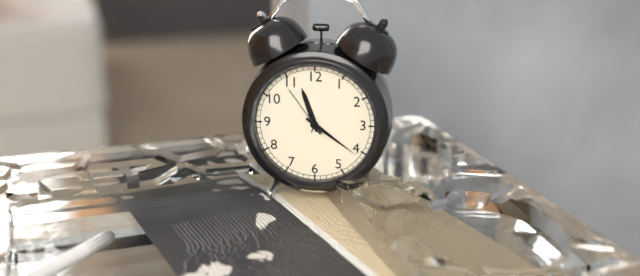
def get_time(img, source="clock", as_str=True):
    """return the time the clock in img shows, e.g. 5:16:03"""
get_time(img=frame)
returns 11:21:54
